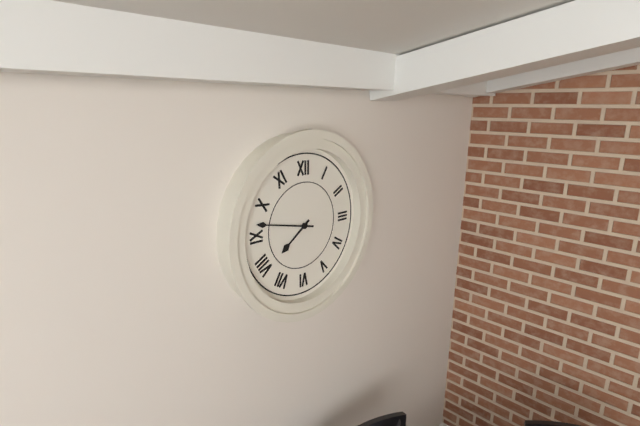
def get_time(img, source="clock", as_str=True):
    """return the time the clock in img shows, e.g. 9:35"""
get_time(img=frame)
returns 7:47
